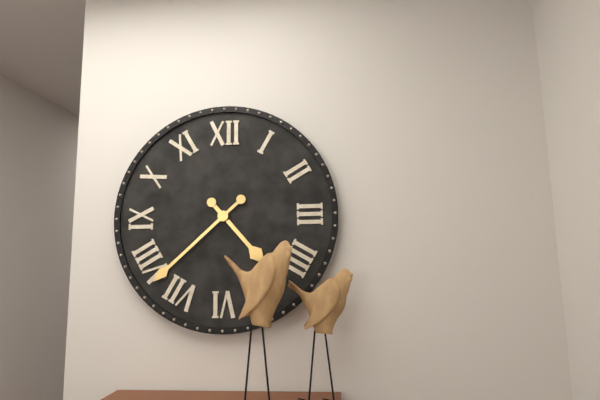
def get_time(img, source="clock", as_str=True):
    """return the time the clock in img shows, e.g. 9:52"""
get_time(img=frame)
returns 4:38
